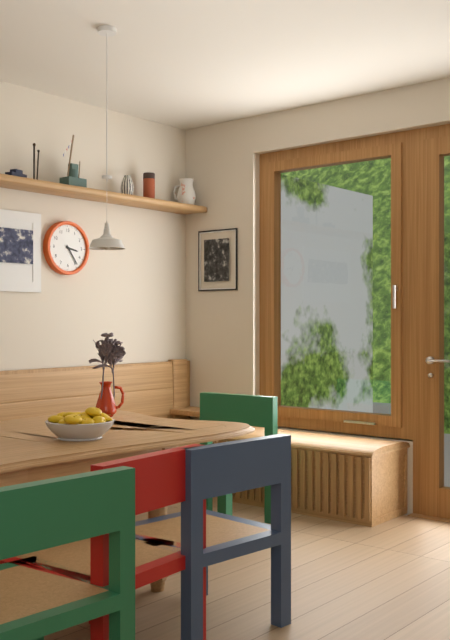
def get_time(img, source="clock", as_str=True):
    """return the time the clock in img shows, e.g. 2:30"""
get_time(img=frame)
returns 3:24
